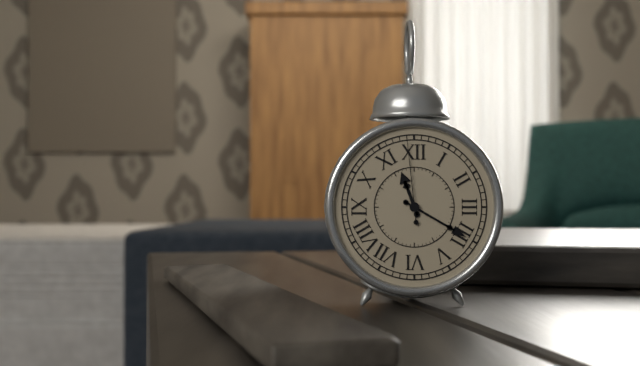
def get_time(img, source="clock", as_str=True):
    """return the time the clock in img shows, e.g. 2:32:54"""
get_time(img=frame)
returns 11:20:59
